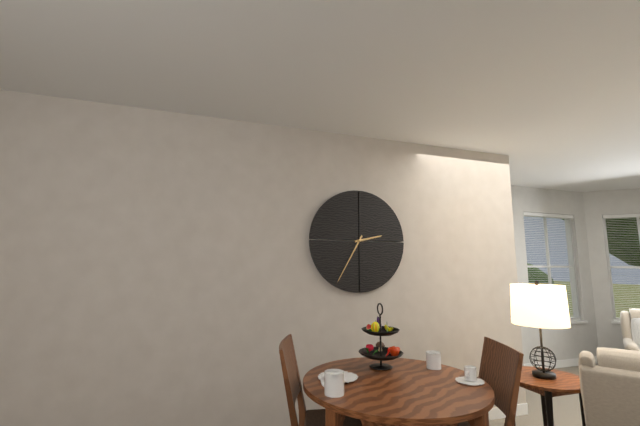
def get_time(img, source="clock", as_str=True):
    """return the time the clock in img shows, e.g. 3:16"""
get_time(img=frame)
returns 2:35
